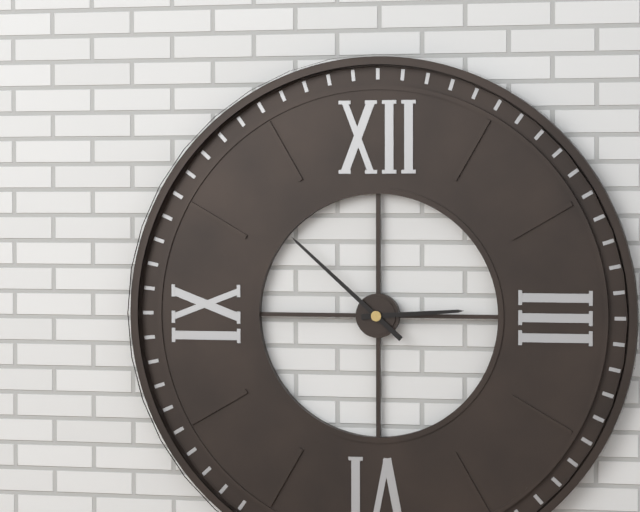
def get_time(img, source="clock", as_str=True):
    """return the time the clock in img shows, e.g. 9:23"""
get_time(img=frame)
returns 2:52
